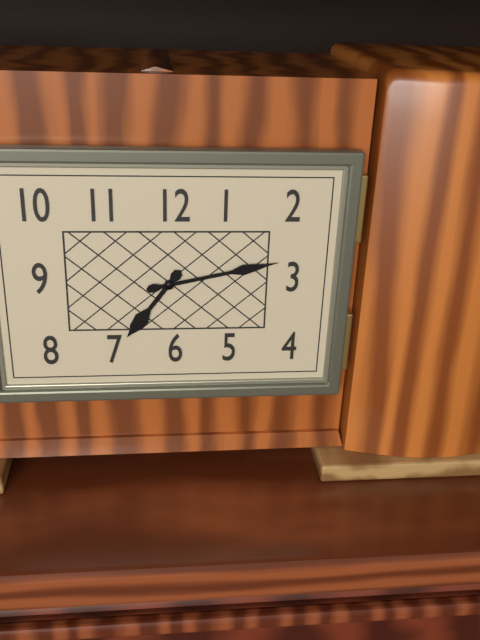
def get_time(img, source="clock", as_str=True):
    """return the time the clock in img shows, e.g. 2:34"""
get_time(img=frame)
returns 7:13
